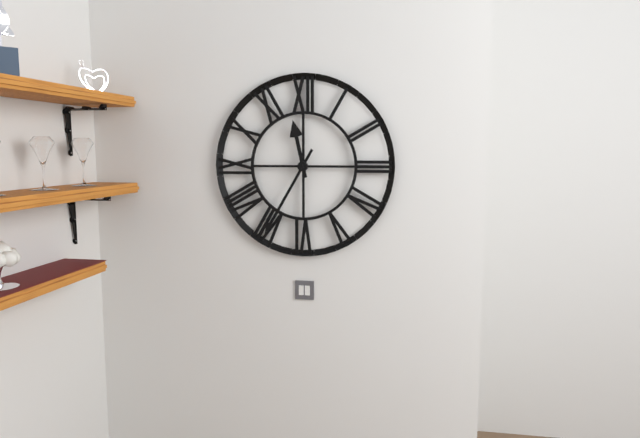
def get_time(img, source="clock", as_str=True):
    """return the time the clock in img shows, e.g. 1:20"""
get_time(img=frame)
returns 11:35
